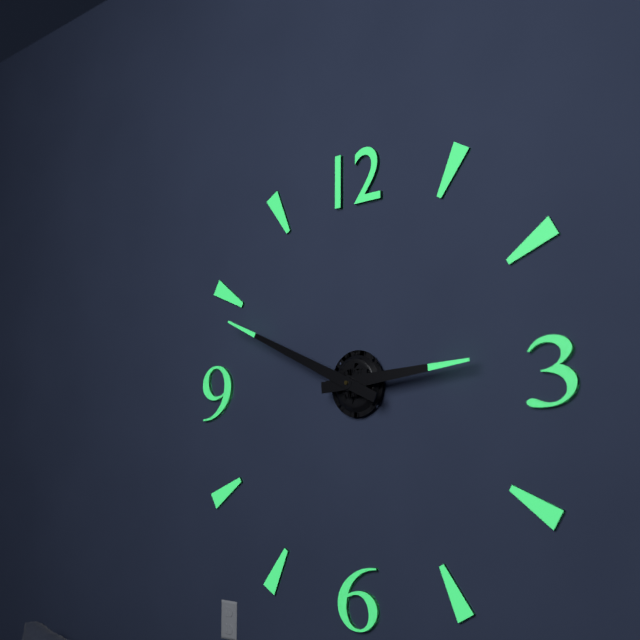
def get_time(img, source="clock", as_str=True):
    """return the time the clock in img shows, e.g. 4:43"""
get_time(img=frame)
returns 2:49
